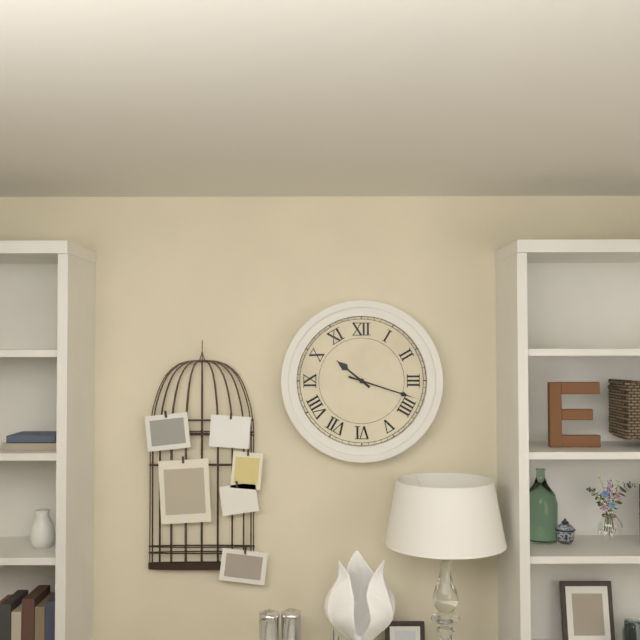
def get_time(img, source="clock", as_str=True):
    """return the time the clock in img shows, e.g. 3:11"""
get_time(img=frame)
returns 10:18
